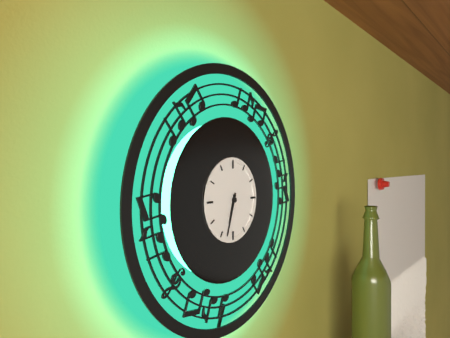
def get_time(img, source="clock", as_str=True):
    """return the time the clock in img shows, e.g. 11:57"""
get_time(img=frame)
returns 6:33
